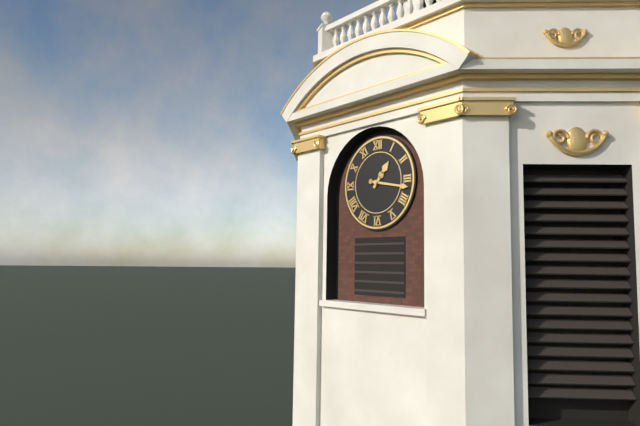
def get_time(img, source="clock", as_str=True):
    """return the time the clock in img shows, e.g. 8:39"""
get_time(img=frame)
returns 1:17
